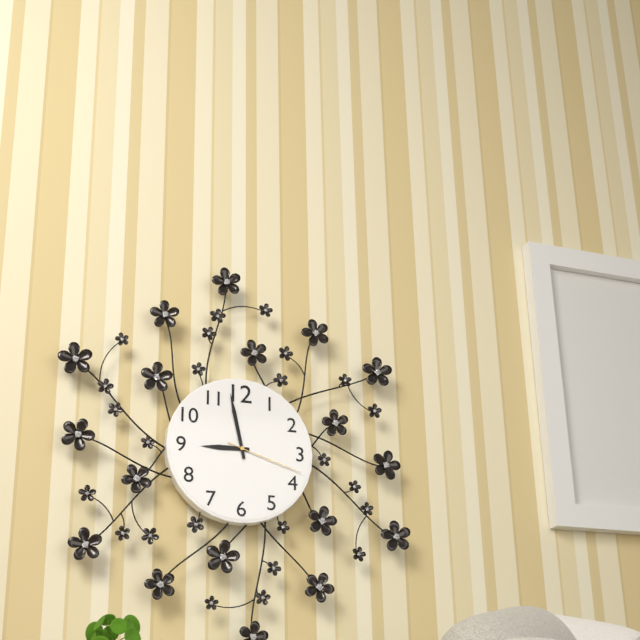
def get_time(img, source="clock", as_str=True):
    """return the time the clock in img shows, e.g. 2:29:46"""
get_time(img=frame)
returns 8:58:18
